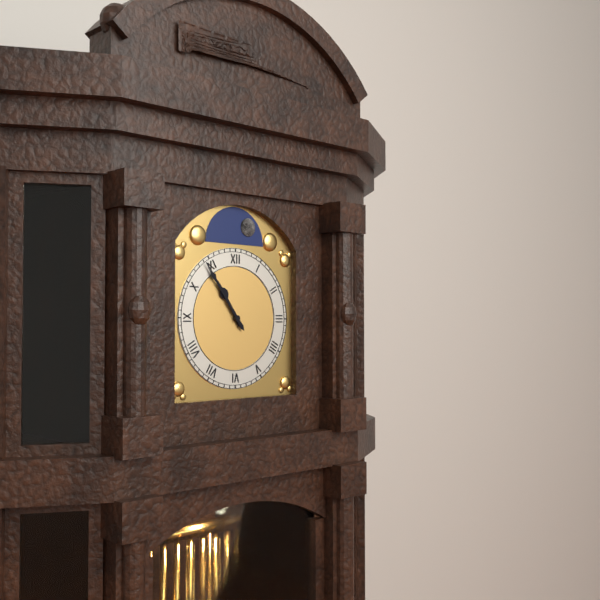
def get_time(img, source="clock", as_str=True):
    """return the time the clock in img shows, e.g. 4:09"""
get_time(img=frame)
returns 10:54
